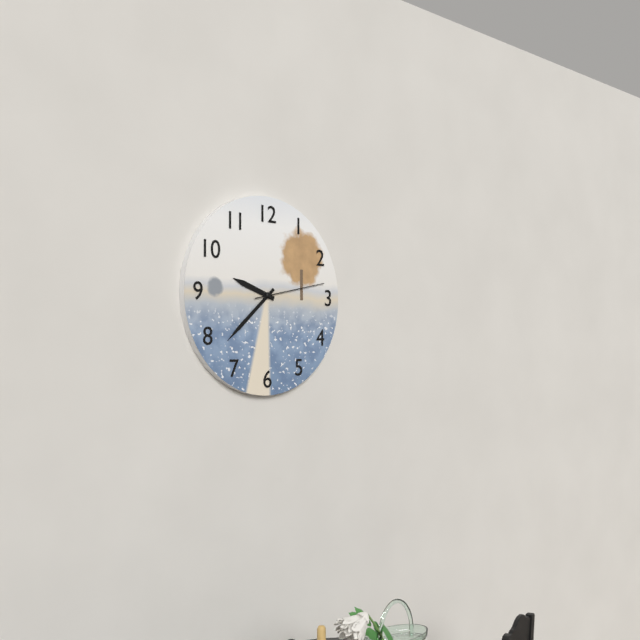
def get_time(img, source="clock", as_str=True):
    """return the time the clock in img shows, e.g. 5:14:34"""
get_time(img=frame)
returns 9:38:13
